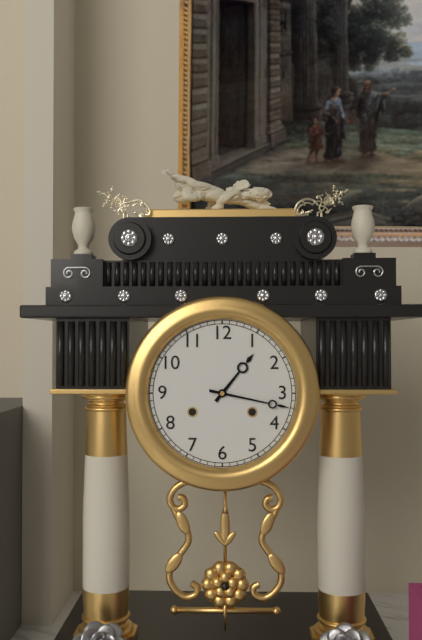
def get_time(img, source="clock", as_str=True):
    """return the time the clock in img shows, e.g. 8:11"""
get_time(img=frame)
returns 1:17
